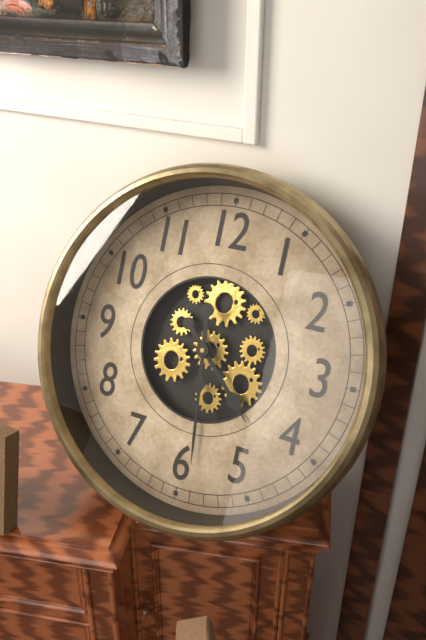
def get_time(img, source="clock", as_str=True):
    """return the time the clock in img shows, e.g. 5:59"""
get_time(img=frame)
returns 4:29
